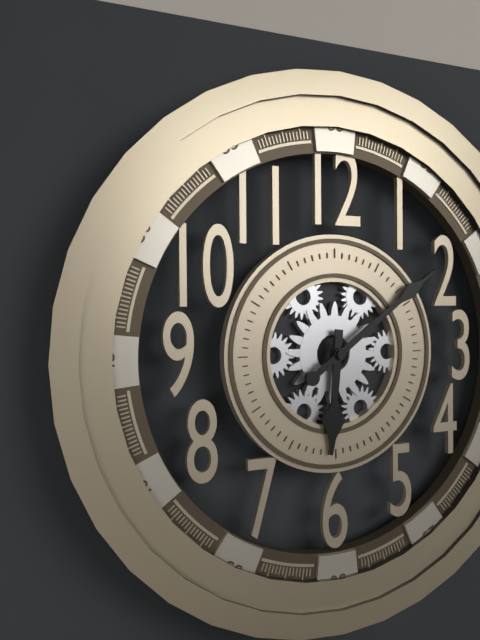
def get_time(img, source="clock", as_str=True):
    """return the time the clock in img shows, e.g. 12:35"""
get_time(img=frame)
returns 6:09
